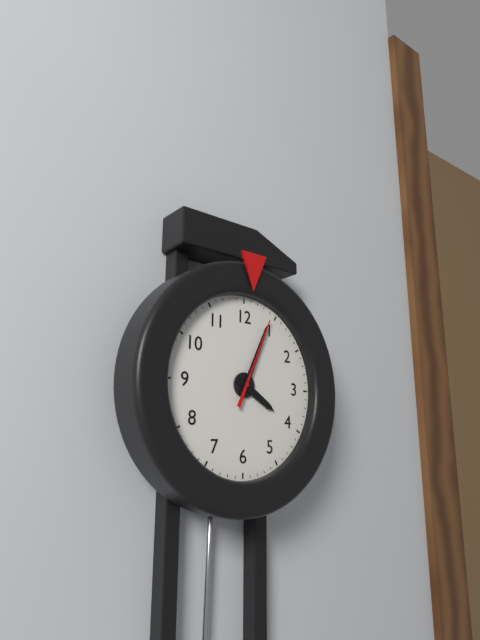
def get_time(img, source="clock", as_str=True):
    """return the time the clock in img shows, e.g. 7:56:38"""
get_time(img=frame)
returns 4:04:04
